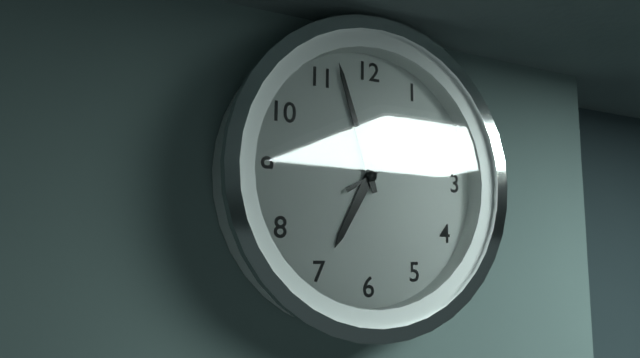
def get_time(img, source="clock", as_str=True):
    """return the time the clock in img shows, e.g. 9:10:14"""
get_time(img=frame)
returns 6:57:10
